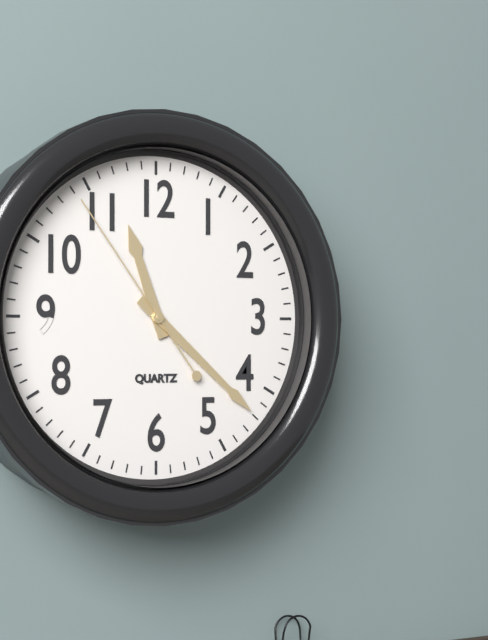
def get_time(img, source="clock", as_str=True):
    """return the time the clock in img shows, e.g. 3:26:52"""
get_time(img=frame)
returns 11:22:54
